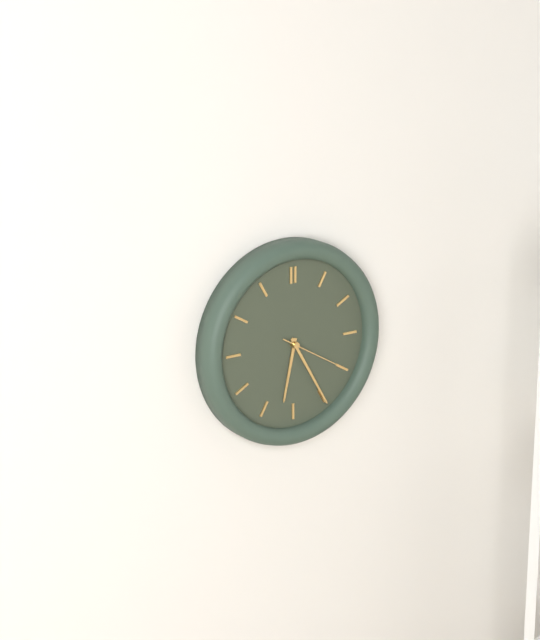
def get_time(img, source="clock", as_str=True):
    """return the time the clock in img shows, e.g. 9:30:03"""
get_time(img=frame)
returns 6:25:20
